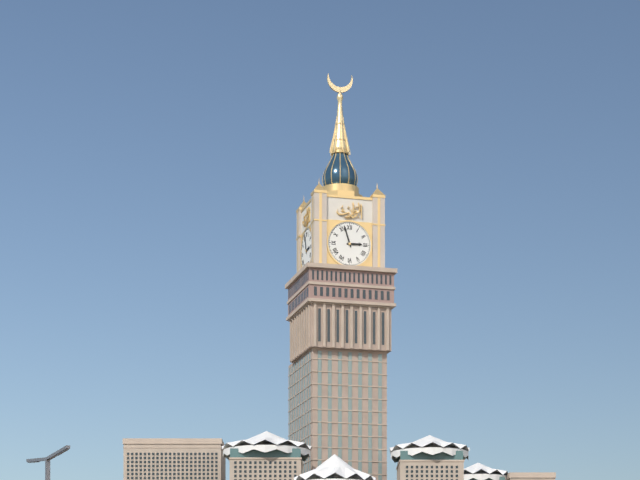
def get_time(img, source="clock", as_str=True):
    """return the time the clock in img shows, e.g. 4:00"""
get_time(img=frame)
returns 2:57
